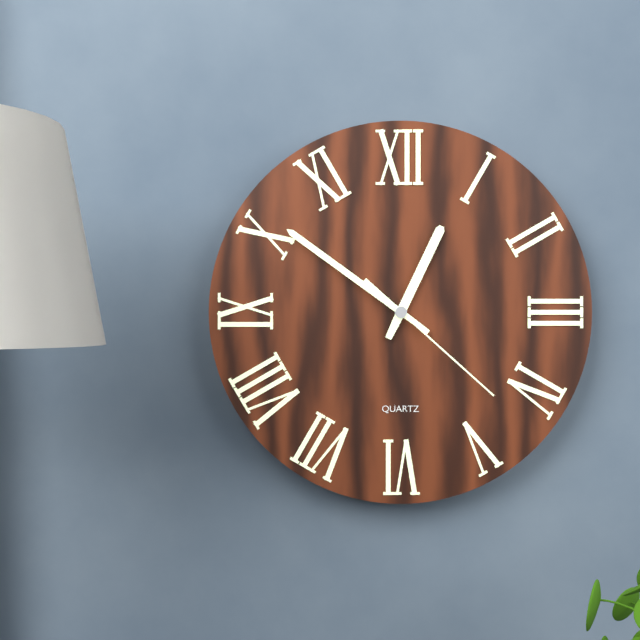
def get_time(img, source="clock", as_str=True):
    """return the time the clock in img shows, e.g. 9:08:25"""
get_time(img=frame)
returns 12:51:22
